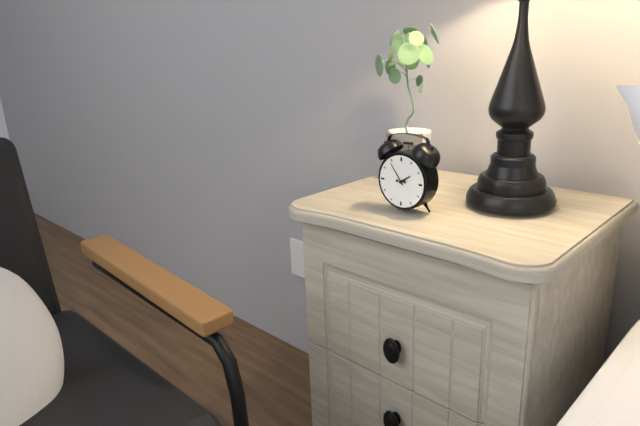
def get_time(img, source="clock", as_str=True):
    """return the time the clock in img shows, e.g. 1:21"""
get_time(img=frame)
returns 1:54
